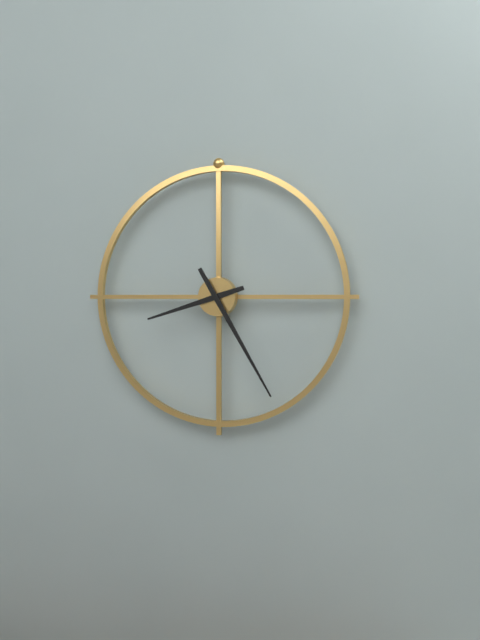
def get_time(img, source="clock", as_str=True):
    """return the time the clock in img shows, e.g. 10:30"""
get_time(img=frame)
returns 8:25
